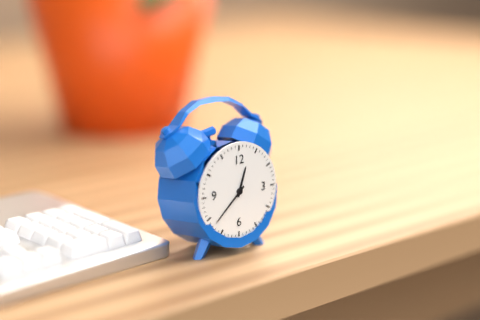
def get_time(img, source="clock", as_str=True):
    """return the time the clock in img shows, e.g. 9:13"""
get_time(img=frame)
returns 12:38
